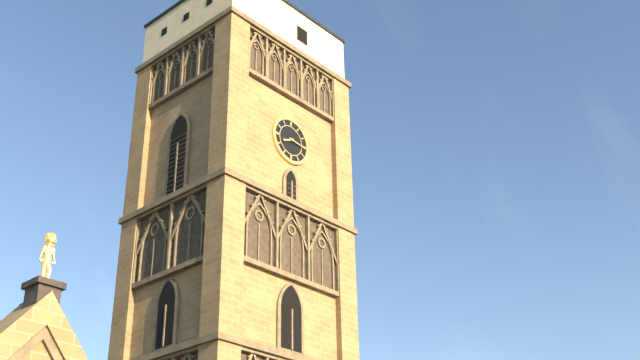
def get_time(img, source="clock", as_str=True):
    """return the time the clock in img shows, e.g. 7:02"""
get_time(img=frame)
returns 8:16
